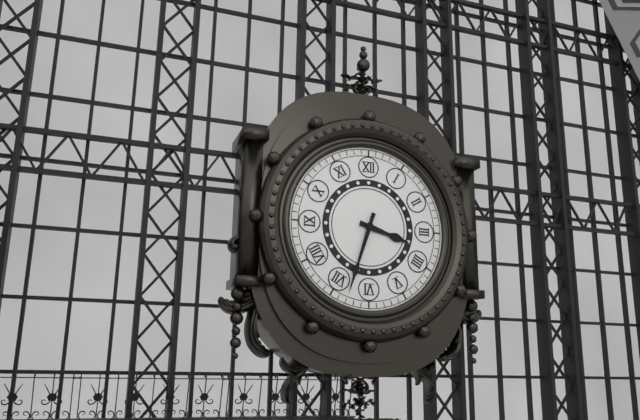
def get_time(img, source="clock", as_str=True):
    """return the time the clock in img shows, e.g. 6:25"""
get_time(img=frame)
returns 3:33
